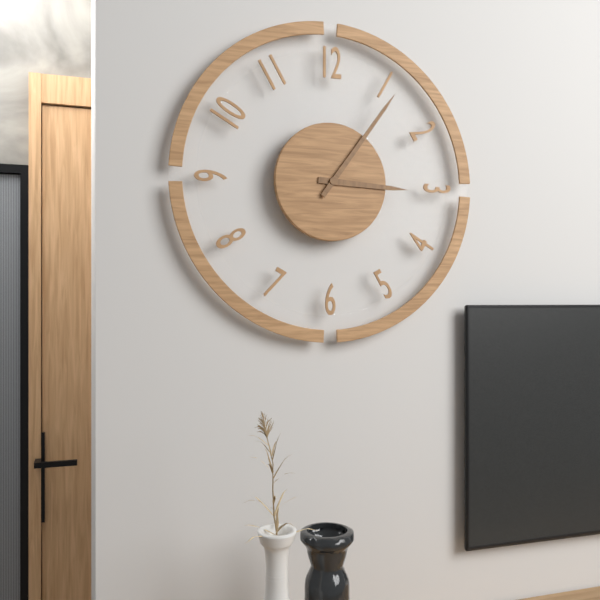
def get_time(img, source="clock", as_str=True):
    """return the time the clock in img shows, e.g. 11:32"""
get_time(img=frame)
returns 3:06
